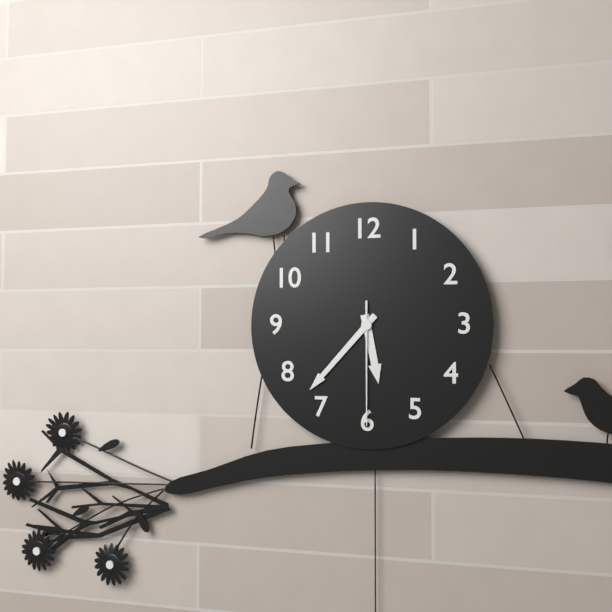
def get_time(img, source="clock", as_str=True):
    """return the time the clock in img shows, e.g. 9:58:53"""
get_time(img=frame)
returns 5:37:30
